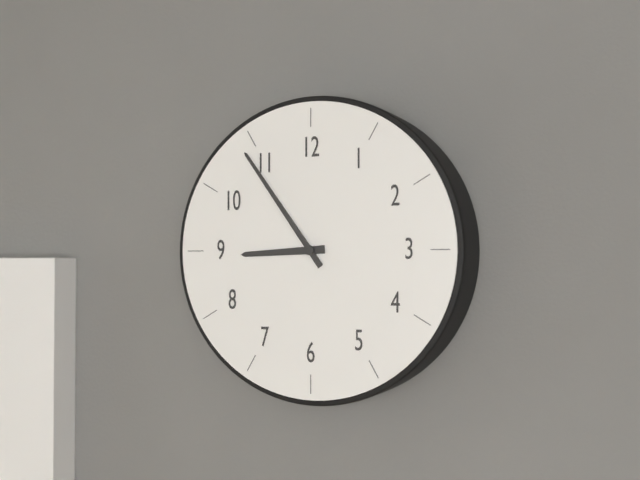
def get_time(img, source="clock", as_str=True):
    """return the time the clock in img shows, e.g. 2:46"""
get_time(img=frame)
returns 8:54
